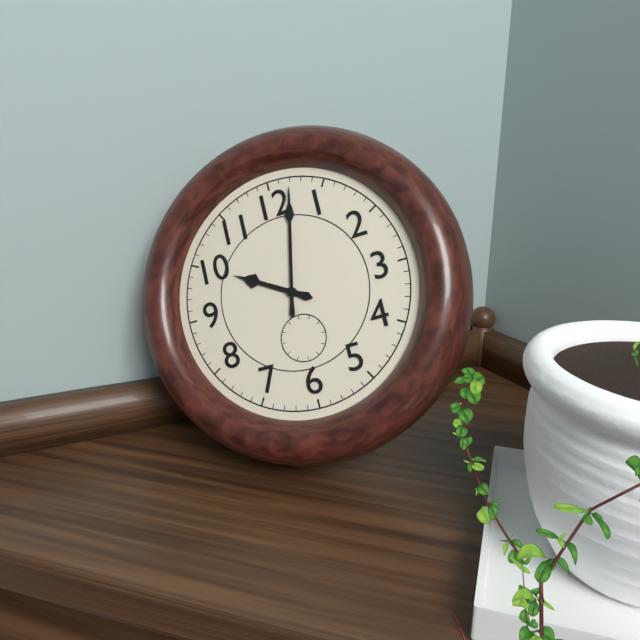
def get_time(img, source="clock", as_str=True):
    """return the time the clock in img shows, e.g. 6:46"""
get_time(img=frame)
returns 10:02
